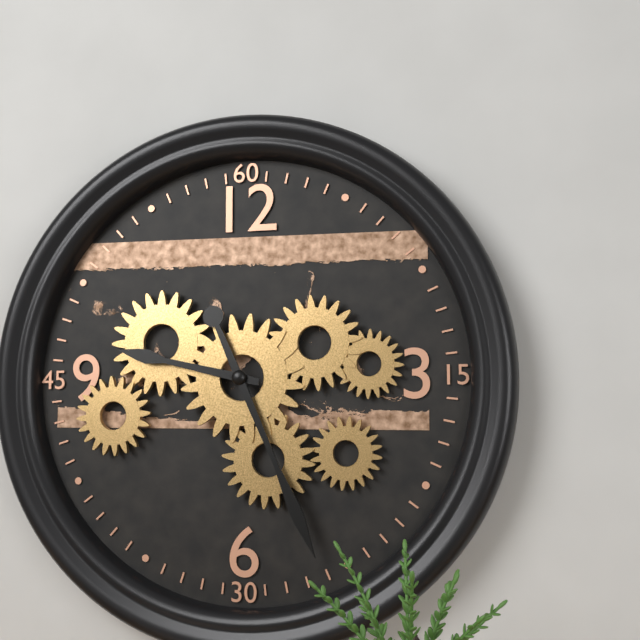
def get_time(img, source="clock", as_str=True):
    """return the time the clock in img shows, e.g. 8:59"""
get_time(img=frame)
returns 9:26
